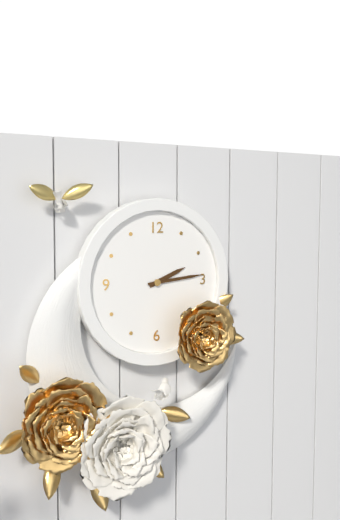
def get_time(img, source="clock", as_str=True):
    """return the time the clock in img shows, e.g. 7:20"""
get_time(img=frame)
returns 2:14
